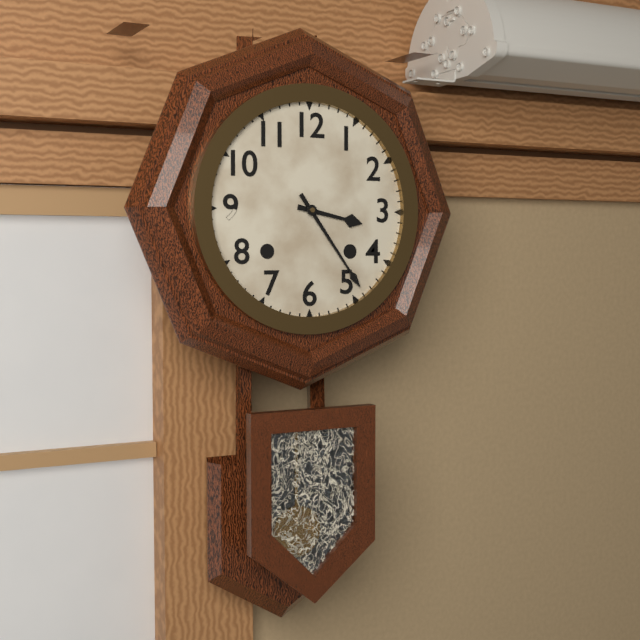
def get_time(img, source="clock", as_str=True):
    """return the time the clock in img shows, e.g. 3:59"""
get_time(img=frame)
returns 3:24
